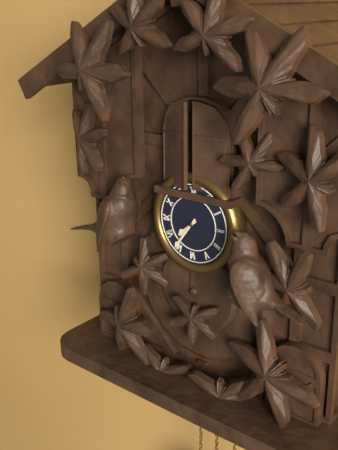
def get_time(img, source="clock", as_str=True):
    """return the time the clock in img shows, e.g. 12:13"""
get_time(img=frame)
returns 7:36
